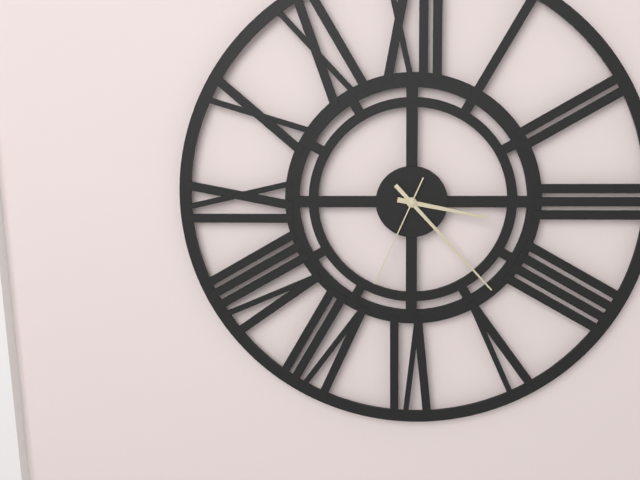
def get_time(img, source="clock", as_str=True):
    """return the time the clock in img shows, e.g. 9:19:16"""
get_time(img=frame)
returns 3:23:34
